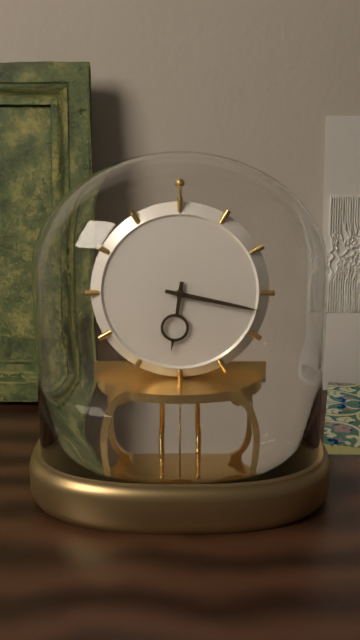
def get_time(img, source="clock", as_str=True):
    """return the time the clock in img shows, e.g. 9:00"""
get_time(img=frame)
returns 6:17
